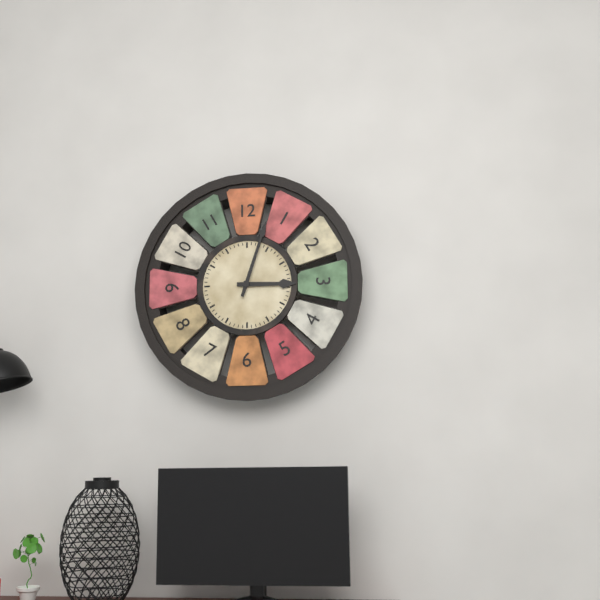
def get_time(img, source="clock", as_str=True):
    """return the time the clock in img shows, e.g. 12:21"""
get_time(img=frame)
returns 3:03
